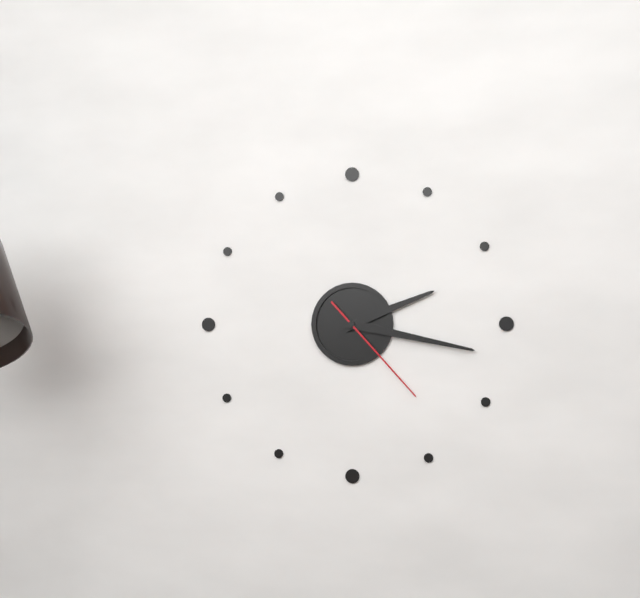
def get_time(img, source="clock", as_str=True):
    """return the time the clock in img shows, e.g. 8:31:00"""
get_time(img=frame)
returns 2:17:23
